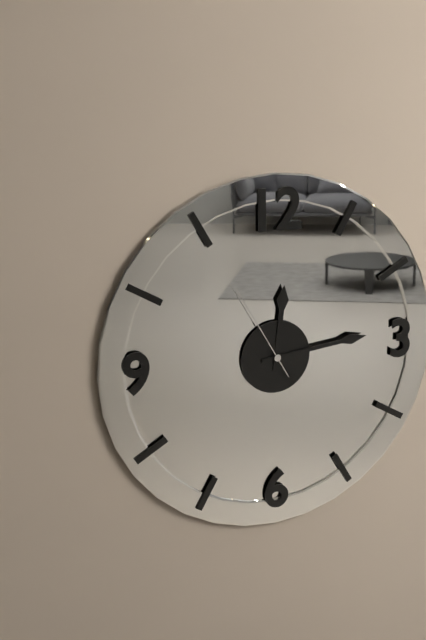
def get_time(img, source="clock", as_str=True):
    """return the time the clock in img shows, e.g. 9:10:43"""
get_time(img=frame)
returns 12:14:55
